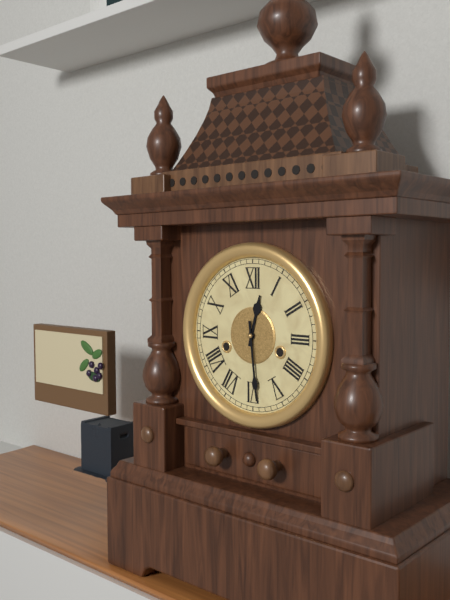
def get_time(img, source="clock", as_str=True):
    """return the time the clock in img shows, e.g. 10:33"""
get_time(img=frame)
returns 12:29
